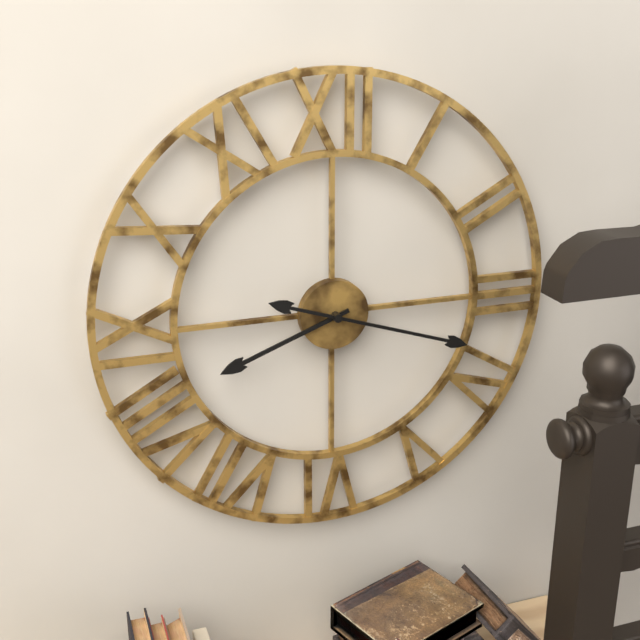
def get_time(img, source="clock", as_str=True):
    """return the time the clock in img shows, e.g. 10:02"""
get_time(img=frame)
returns 8:18
